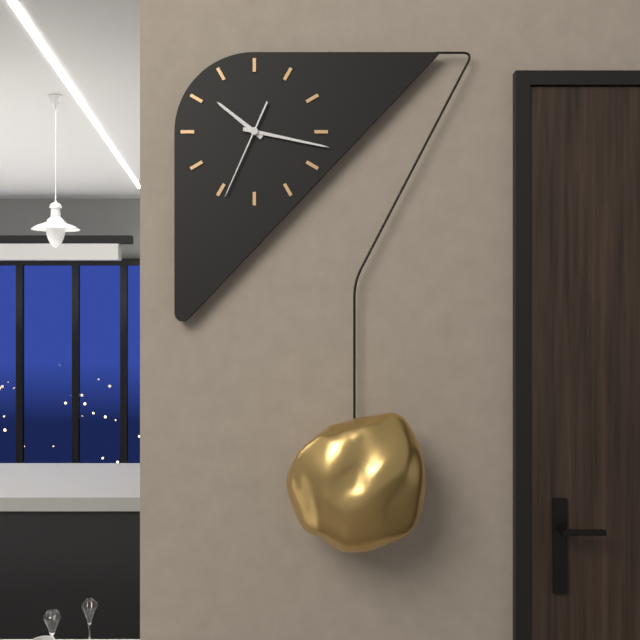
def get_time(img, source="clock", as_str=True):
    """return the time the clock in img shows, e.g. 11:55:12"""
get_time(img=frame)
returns 10:17:34
